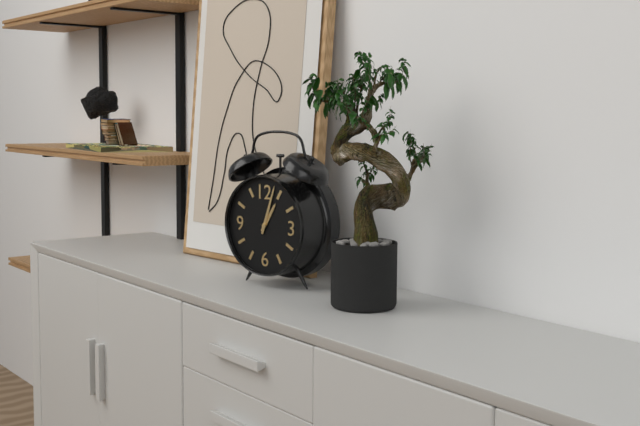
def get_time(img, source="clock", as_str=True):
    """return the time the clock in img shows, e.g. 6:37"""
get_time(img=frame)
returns 1:03
